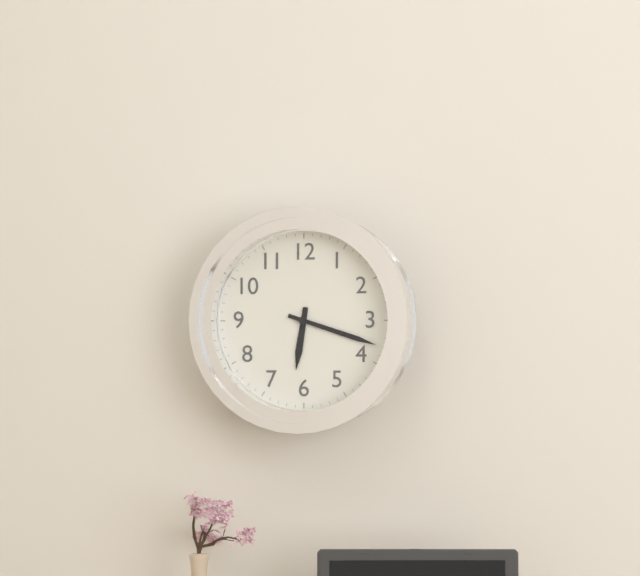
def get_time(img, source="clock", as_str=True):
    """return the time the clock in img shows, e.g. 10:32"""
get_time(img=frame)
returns 6:18
